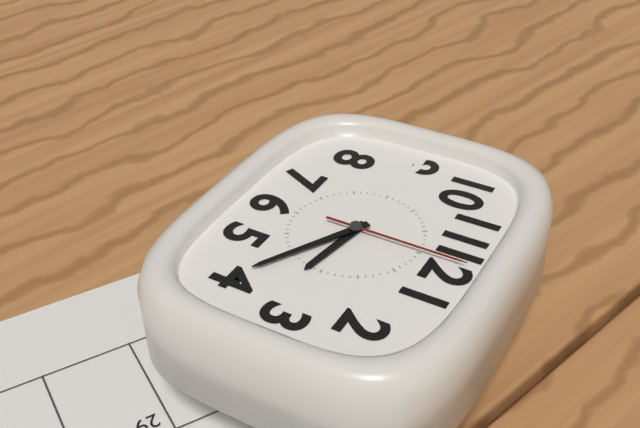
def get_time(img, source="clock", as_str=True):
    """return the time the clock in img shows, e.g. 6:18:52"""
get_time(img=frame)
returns 3:20:00
